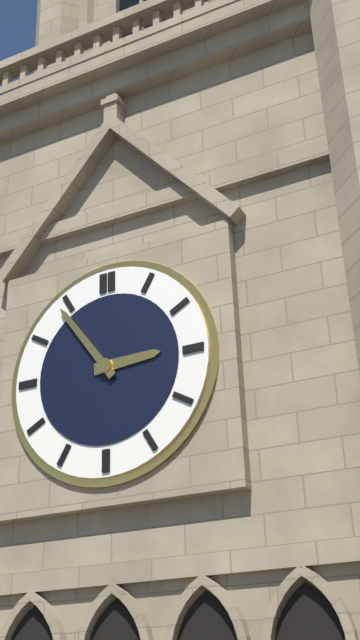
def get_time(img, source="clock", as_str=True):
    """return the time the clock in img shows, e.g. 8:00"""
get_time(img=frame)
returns 2:54
